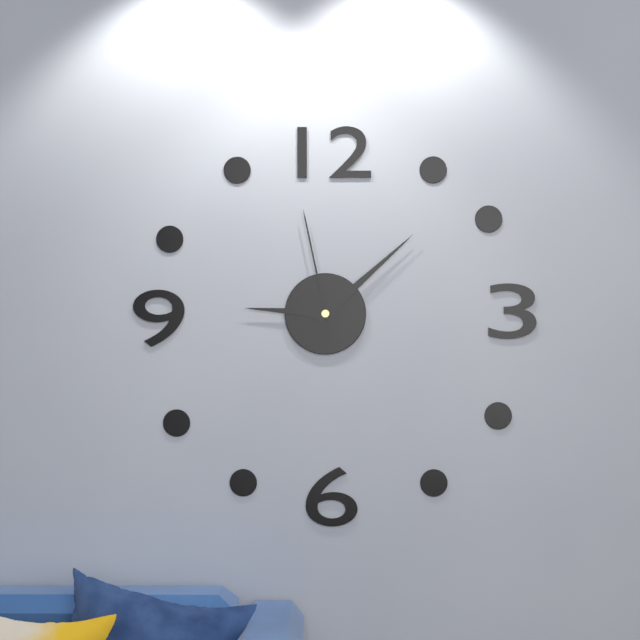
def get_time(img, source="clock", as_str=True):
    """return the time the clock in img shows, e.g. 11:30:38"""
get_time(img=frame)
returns 9:08:58
